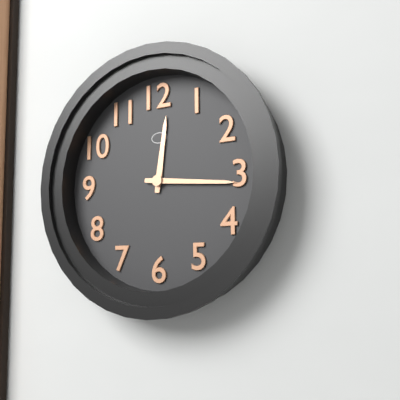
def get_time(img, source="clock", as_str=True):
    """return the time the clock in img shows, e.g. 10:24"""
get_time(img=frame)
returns 12:16
